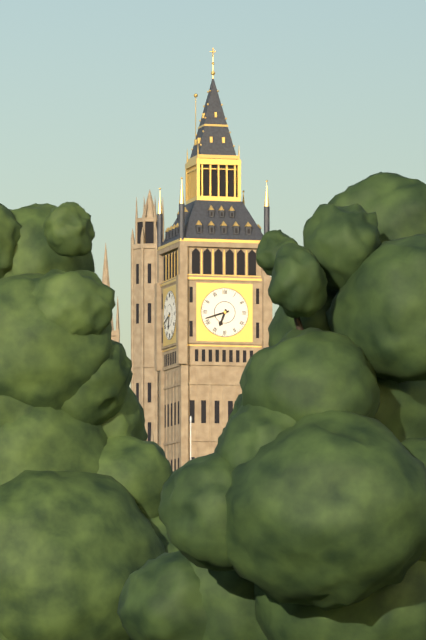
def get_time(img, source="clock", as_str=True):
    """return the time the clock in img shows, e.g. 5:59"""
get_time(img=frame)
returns 6:42
